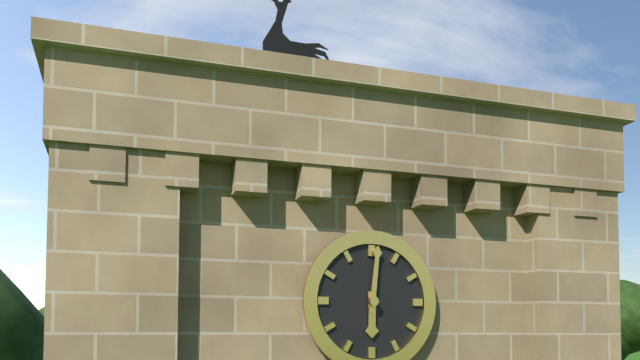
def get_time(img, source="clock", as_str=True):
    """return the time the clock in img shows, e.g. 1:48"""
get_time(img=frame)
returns 6:01
